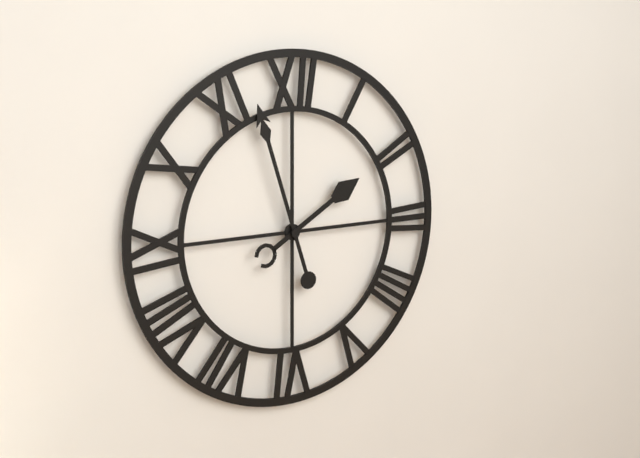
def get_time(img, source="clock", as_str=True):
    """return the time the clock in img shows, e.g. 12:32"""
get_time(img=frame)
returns 1:57
